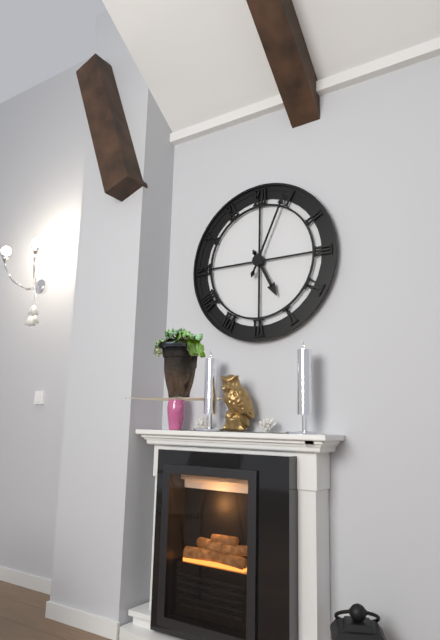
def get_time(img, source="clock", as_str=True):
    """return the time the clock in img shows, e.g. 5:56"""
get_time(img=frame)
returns 5:04
